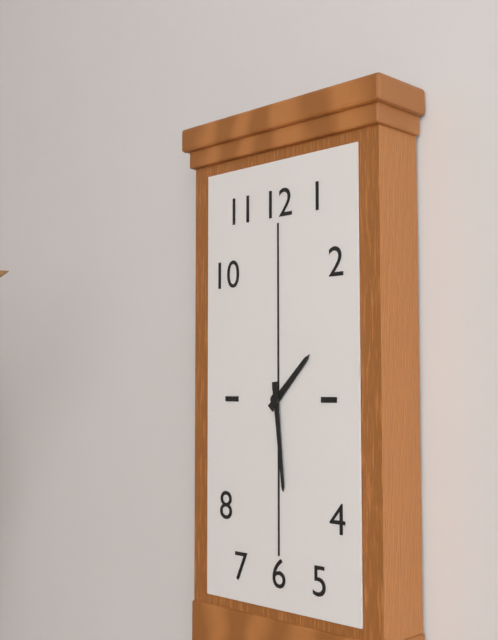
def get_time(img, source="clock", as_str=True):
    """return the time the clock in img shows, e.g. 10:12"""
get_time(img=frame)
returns 1:29
